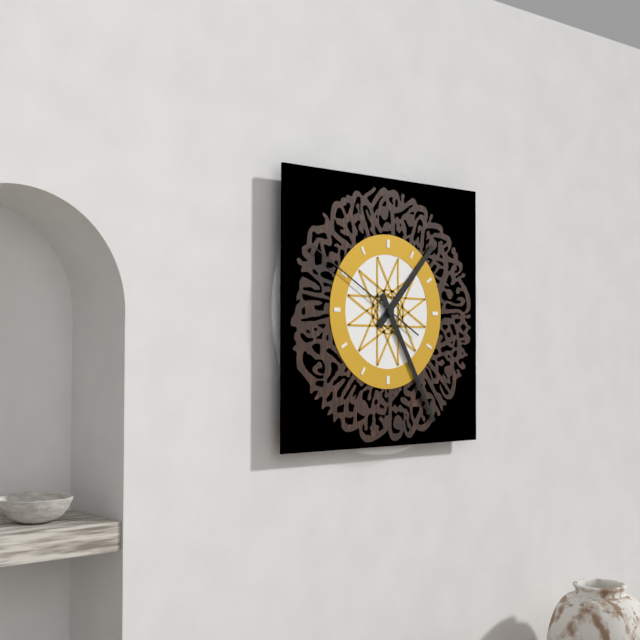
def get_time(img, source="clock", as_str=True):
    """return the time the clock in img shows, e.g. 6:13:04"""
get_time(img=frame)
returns 1:25:50
